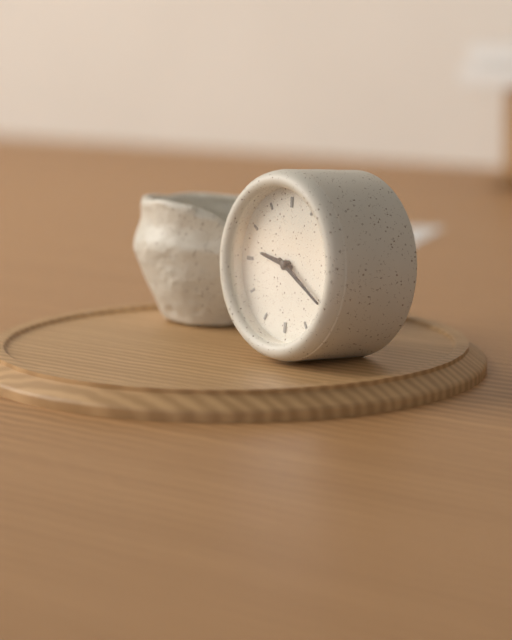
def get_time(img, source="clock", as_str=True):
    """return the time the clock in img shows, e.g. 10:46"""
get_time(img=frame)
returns 9:20
